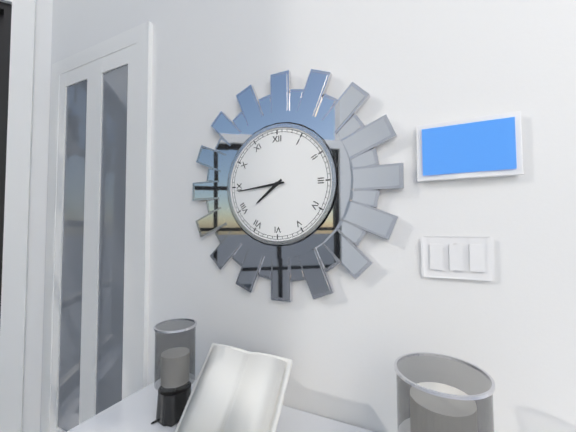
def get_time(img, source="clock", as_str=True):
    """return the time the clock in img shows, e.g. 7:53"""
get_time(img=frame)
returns 7:44
